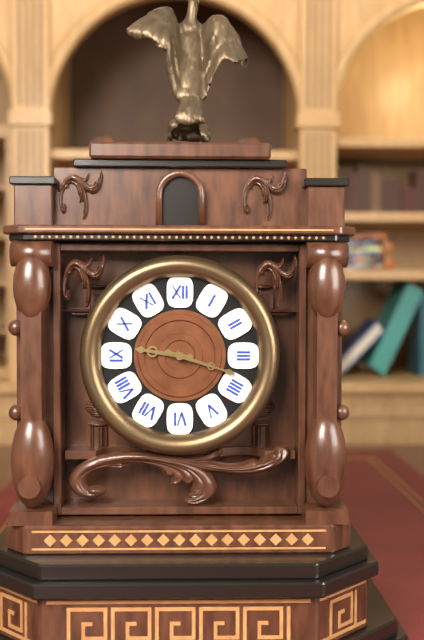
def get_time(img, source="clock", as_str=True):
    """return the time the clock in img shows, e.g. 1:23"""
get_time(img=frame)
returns 9:18
